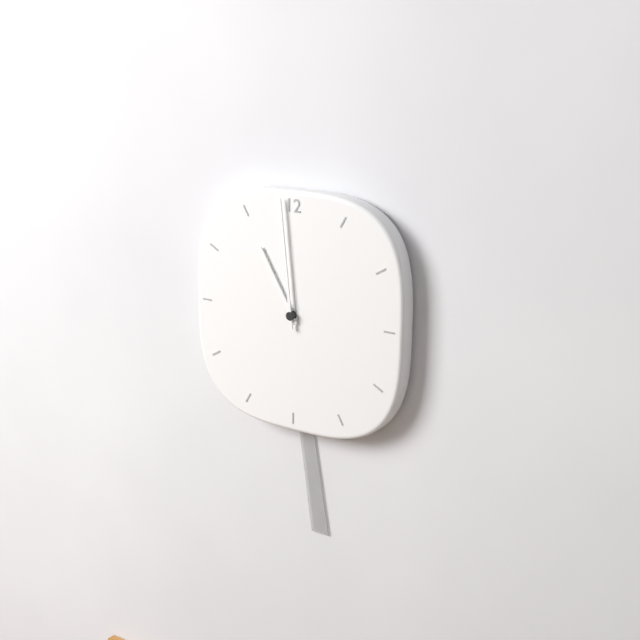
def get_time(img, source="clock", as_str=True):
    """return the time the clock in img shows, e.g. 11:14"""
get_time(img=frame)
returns 10:59
